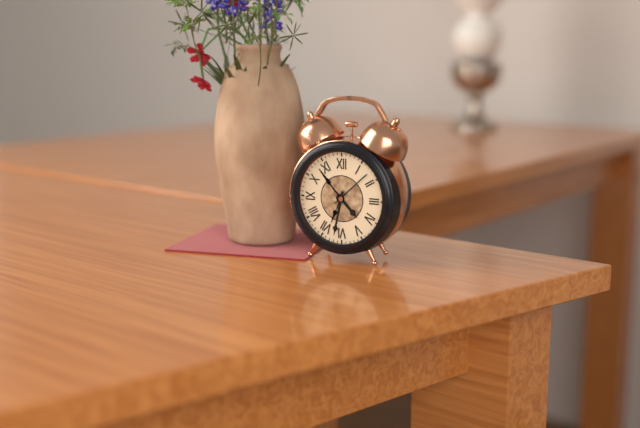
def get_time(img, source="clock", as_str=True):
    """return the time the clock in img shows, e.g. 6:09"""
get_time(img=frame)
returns 4:32
